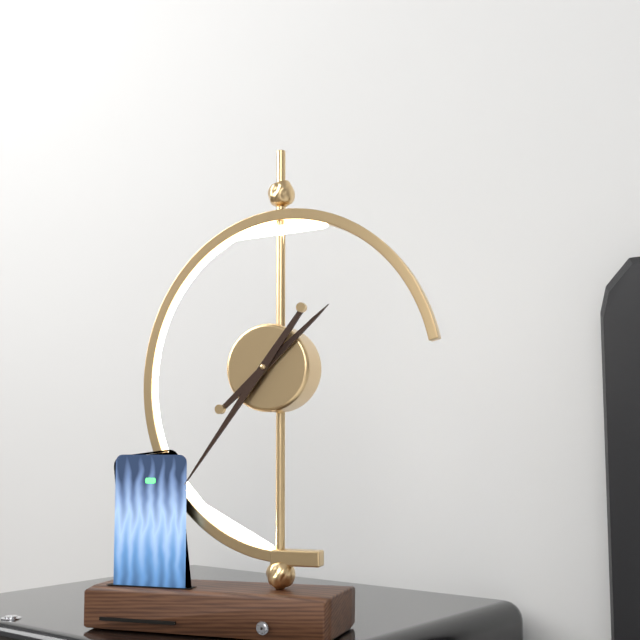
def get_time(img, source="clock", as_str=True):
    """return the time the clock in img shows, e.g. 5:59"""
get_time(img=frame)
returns 1:36
